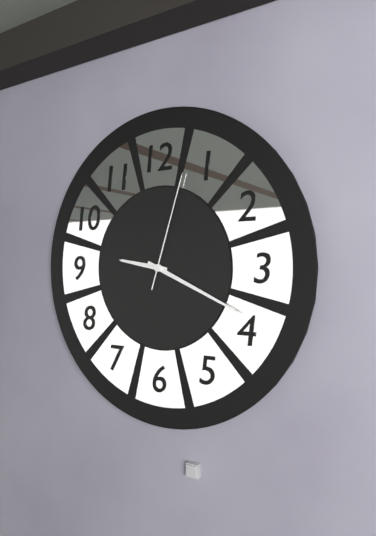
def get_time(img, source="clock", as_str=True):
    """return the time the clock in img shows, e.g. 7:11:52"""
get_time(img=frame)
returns 9:19:03
